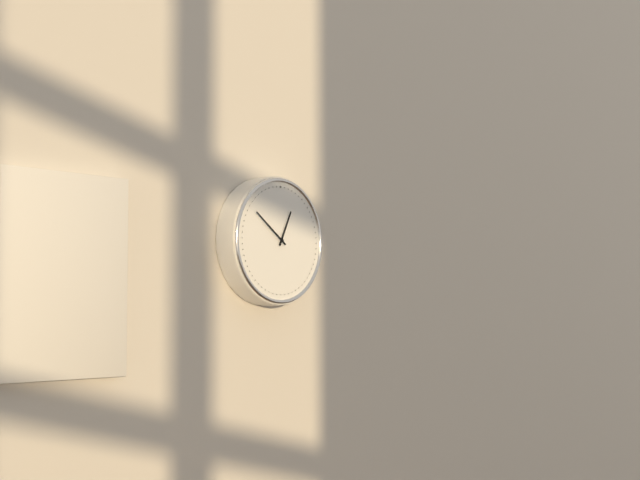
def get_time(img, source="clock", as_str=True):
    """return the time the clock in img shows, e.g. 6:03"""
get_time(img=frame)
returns 12:51
